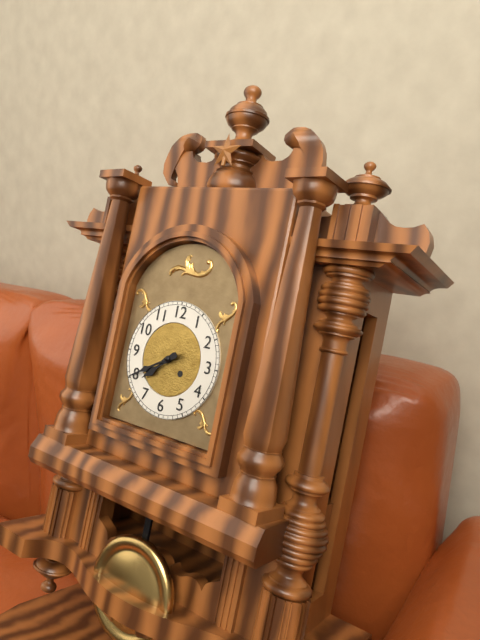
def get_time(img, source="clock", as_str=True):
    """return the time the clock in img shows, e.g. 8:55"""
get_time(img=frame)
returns 7:40
